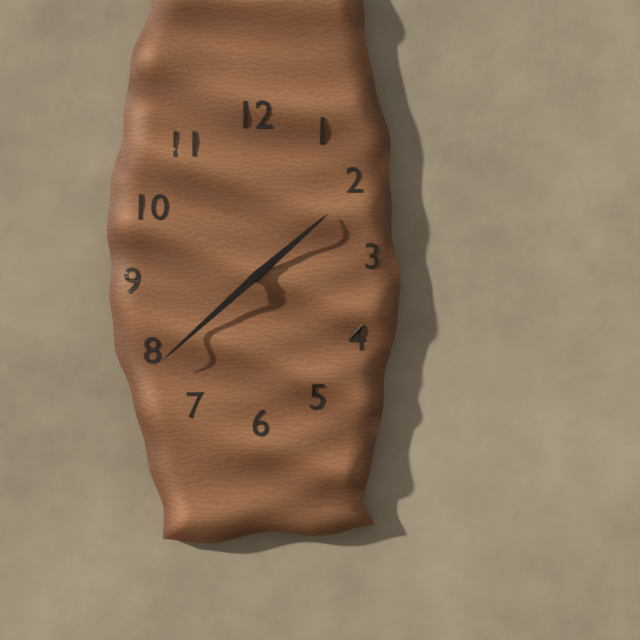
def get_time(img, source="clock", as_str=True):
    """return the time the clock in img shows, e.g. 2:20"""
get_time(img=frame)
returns 1:38
